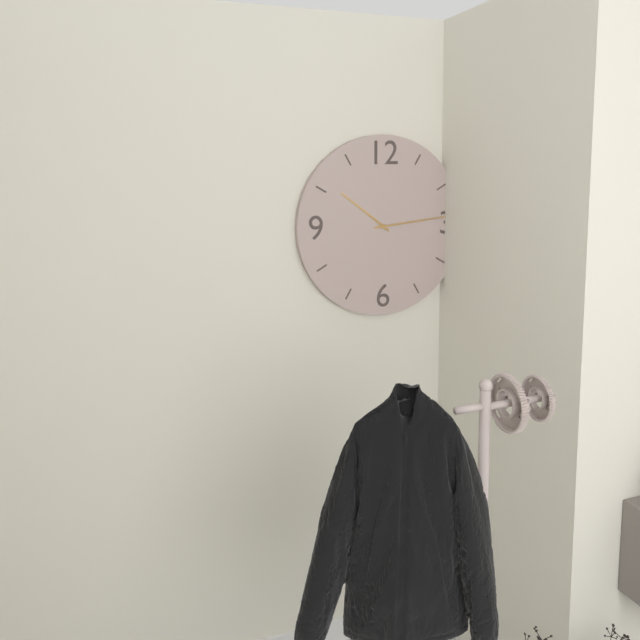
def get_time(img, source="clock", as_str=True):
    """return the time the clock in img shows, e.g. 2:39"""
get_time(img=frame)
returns 10:14
